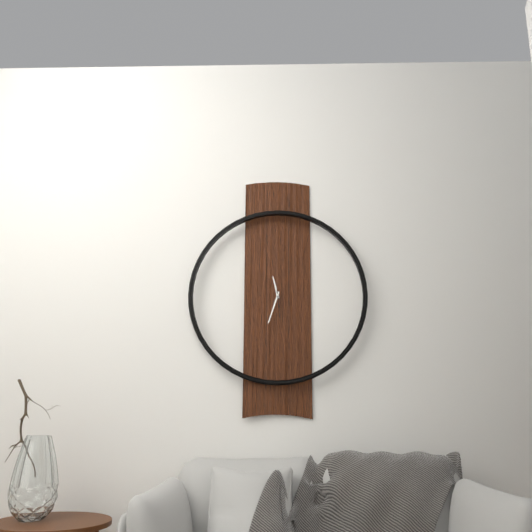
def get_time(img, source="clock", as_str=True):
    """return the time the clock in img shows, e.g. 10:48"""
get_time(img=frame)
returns 11:33
